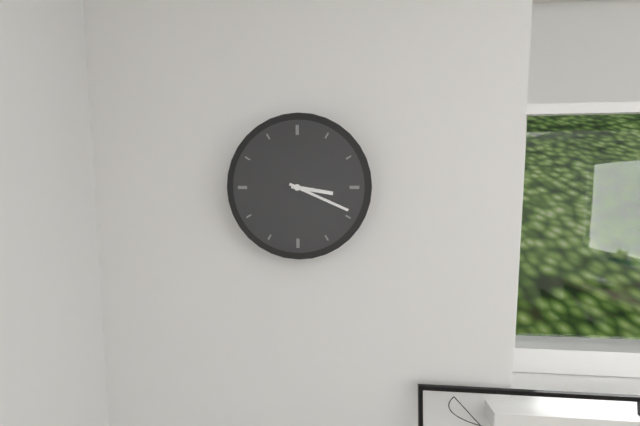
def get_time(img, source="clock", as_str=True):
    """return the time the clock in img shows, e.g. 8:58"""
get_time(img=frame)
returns 3:19
